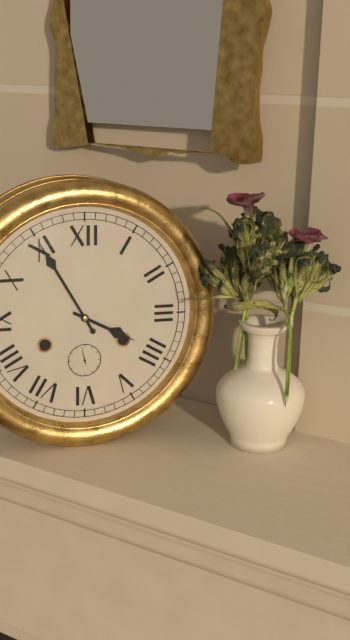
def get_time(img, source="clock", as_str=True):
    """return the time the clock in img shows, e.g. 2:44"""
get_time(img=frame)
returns 3:55
